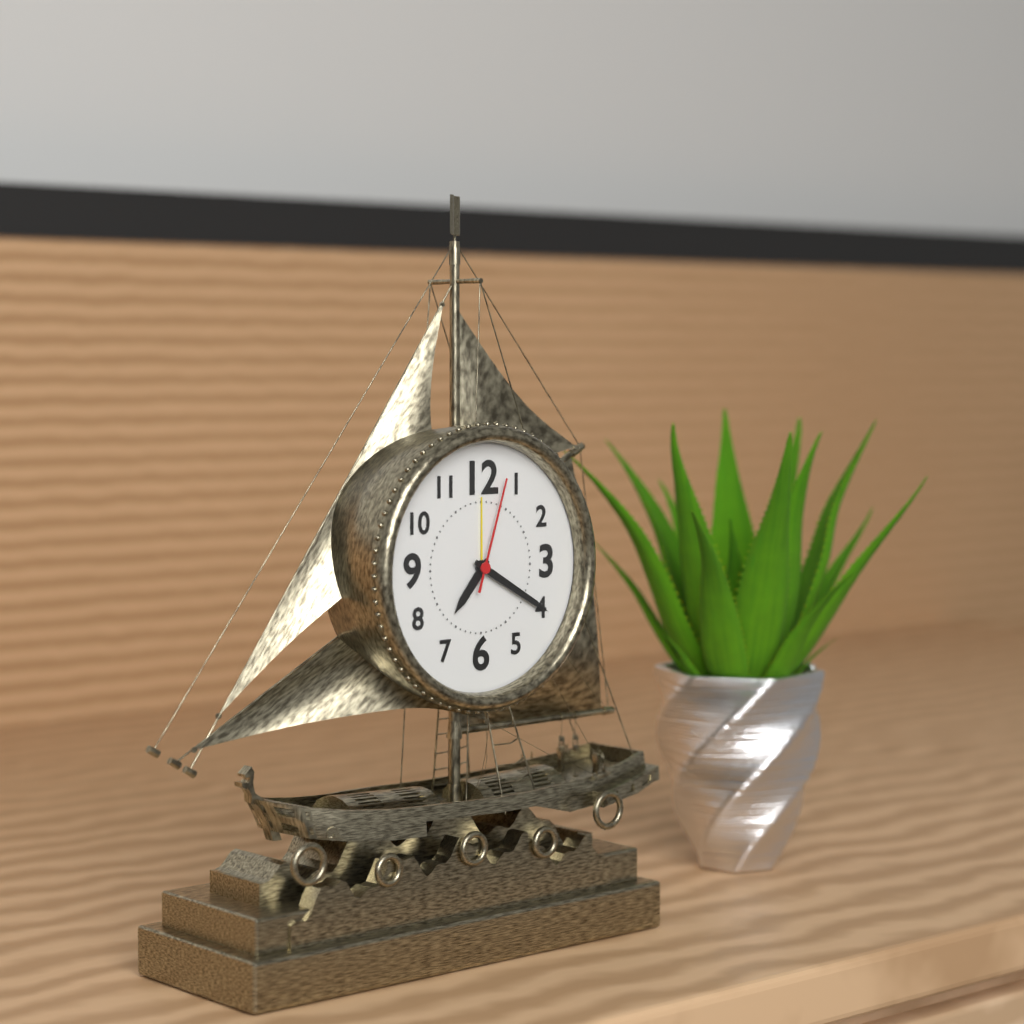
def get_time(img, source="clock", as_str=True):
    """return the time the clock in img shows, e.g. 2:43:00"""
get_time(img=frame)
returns 7:20:03
